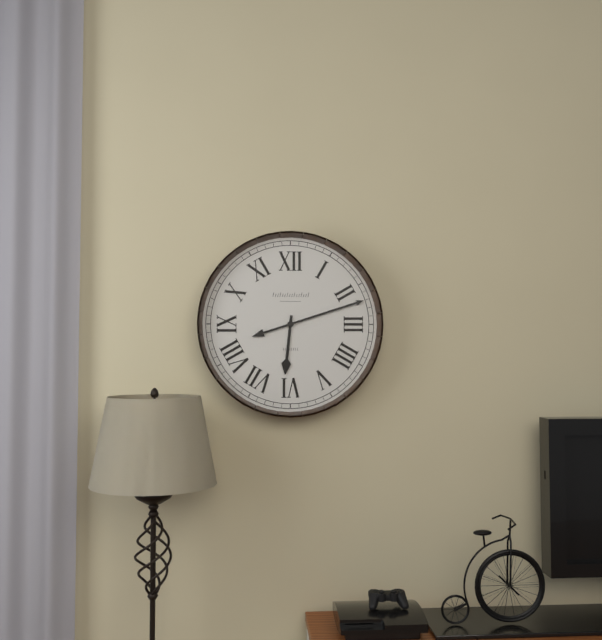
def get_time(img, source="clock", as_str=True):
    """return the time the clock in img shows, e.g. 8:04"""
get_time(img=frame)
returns 6:12
